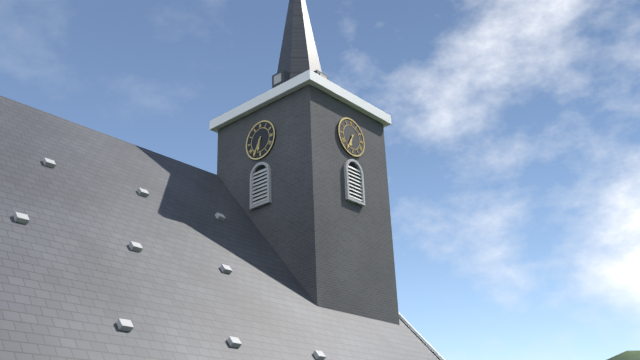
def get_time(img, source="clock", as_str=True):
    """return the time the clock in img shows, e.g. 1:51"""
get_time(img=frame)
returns 6:35
